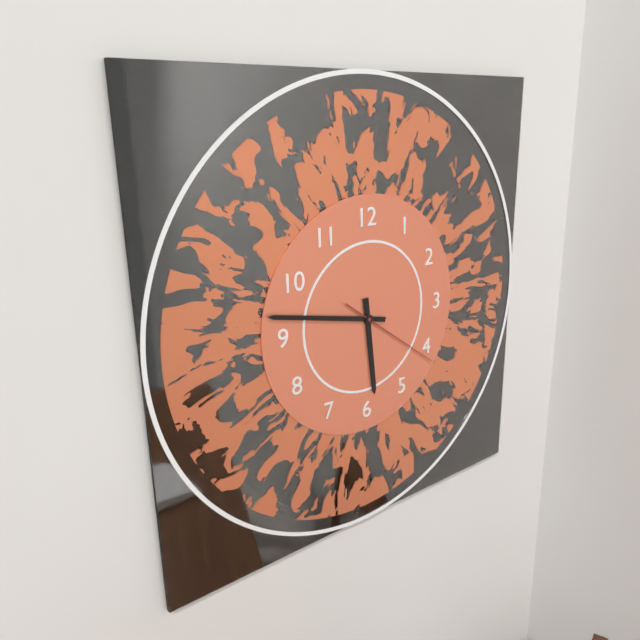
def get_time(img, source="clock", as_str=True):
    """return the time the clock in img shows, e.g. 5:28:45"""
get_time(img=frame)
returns 5:47:21
